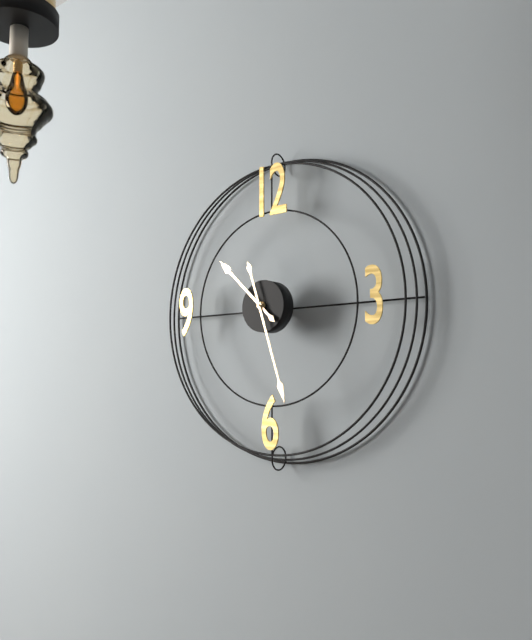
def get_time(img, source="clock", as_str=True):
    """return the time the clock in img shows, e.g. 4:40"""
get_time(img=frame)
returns 10:27
